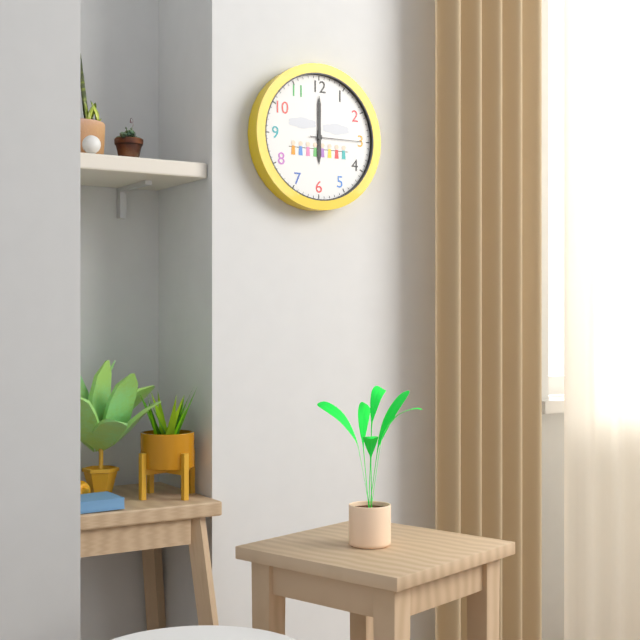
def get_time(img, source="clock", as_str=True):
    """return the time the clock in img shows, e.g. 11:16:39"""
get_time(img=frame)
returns 6:00:15
